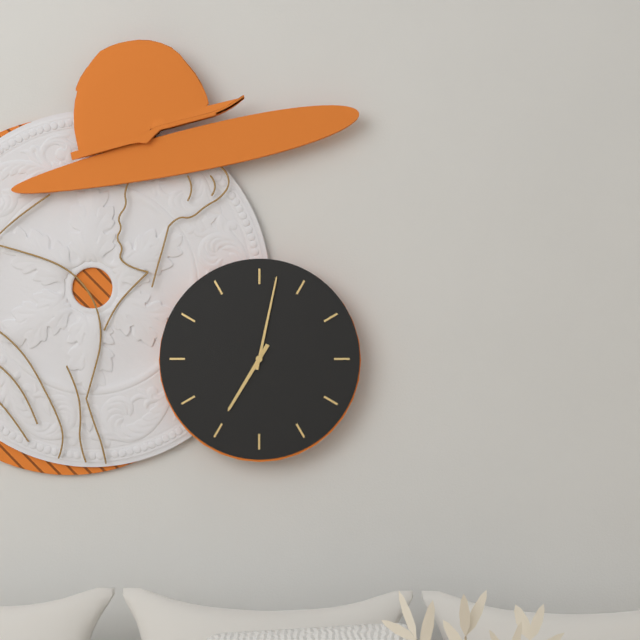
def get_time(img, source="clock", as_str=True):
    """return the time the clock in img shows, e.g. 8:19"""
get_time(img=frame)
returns 7:02
